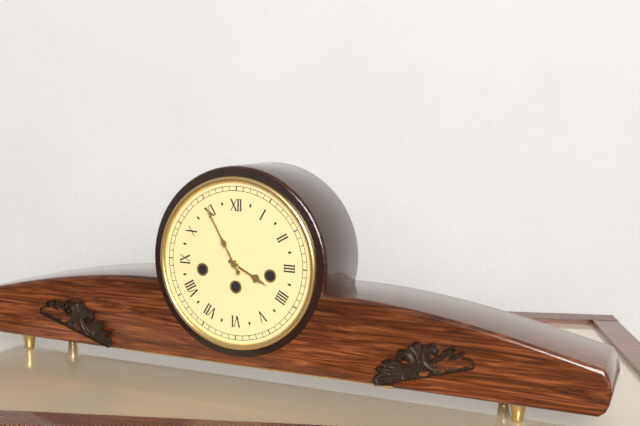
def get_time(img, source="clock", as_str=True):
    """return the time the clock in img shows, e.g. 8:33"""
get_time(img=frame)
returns 3:55
